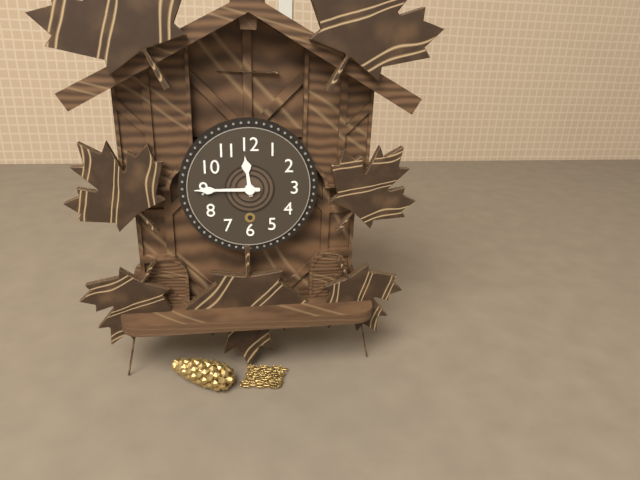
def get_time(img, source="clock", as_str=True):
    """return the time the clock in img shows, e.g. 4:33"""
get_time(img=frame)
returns 11:45
